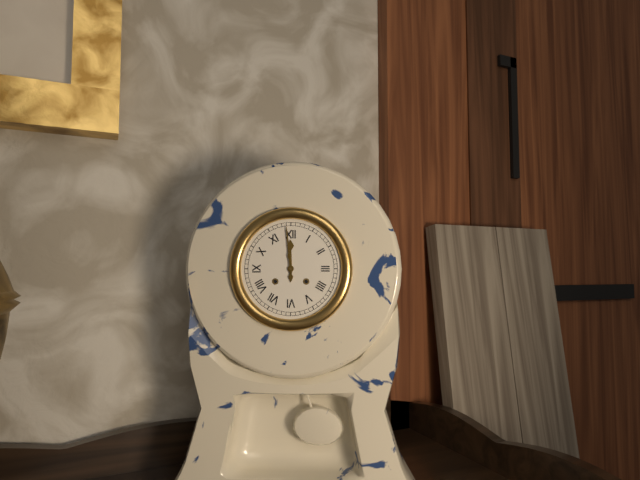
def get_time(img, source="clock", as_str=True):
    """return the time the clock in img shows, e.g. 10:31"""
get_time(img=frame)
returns 11:59
